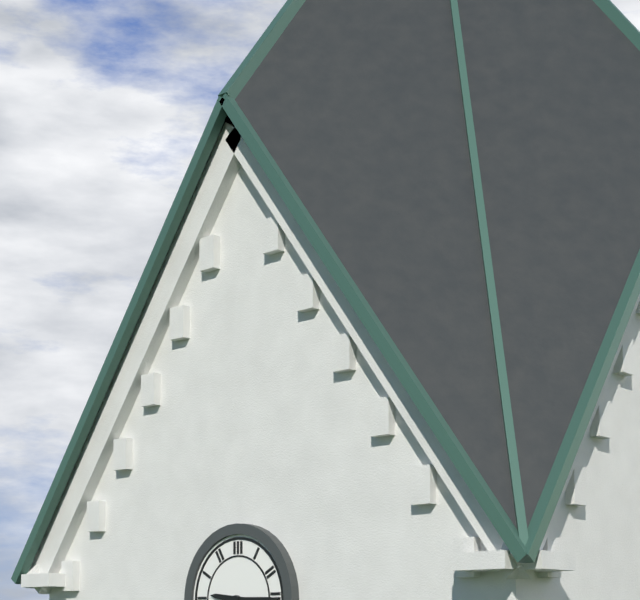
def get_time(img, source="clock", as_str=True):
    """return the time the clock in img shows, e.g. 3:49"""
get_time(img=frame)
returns 9:15
